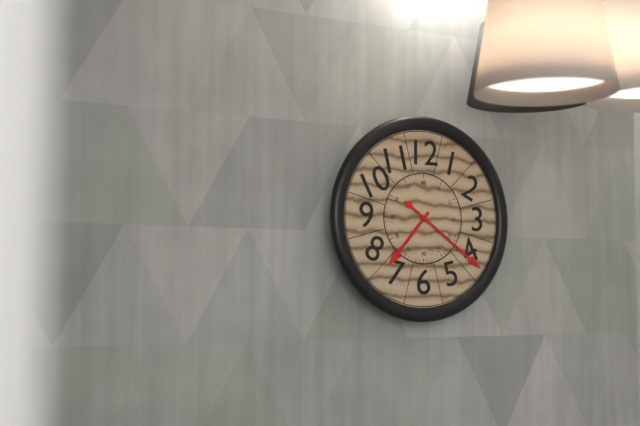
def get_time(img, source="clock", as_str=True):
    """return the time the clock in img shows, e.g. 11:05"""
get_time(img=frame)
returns 7:21
